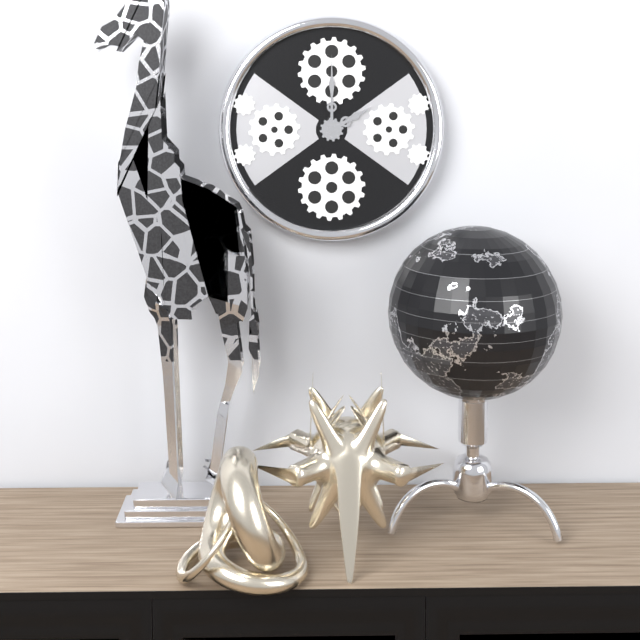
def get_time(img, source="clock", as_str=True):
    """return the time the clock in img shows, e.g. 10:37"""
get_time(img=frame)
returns 2:00
